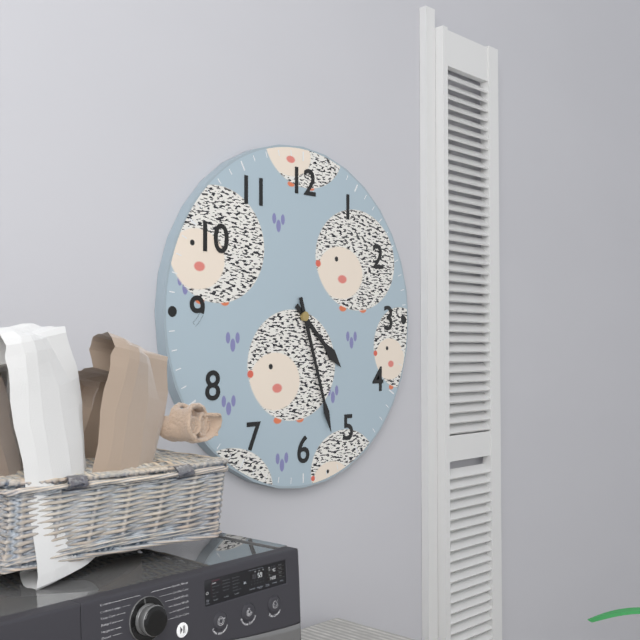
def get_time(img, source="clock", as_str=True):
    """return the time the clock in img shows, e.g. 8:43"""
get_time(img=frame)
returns 4:27
